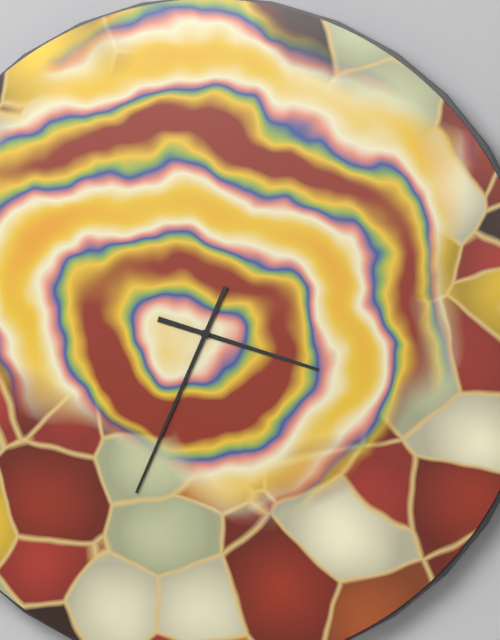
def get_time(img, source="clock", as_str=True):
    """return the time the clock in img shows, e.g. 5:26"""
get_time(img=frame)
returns 3:34
